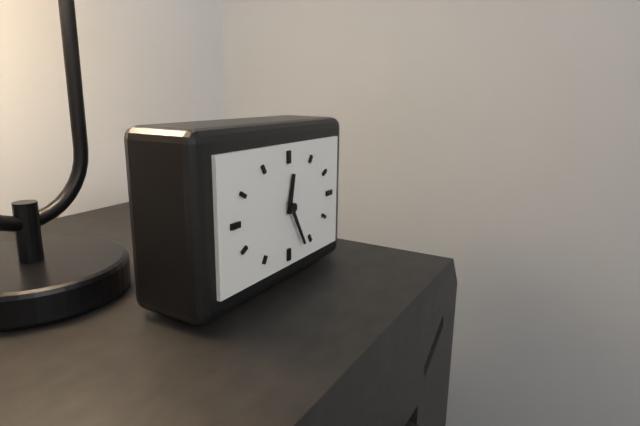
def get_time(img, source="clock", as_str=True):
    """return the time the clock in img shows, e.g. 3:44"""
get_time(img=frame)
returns 12:25
